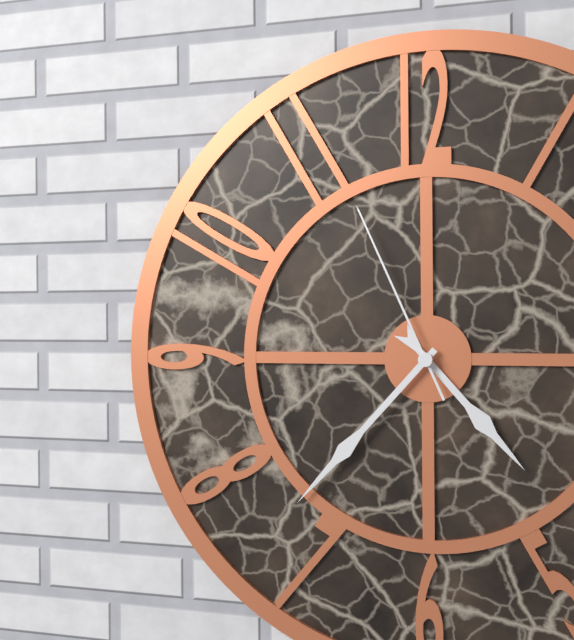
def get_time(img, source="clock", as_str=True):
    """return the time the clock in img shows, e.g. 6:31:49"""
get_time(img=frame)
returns 4:37:56
